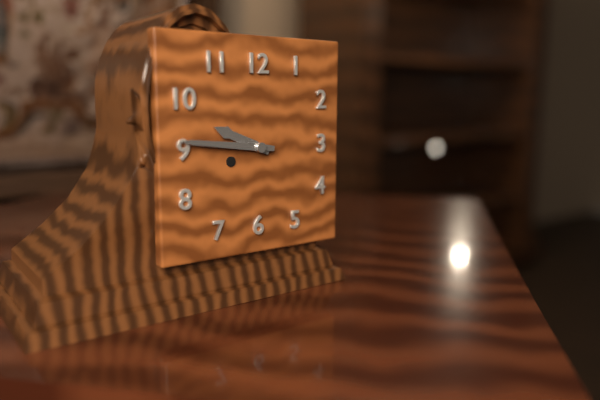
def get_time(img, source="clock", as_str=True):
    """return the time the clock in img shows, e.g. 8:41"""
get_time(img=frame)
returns 9:46
